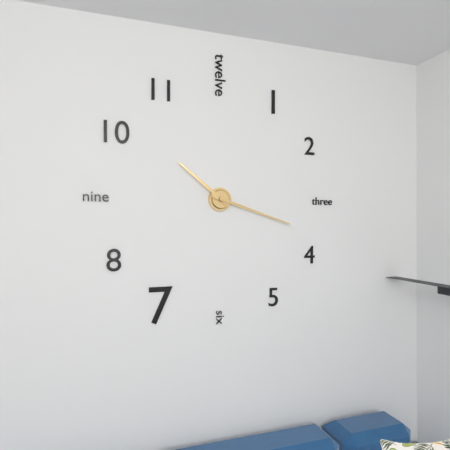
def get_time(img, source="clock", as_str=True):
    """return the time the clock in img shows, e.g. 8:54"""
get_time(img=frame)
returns 10:18
